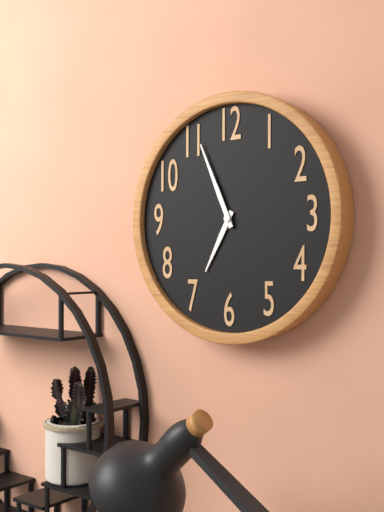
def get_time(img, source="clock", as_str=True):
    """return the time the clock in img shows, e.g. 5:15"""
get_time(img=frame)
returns 6:56
